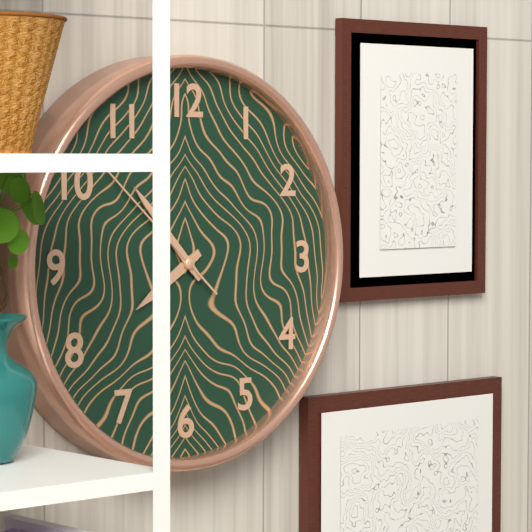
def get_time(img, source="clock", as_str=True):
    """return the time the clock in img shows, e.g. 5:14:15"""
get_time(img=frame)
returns 7:53:52
